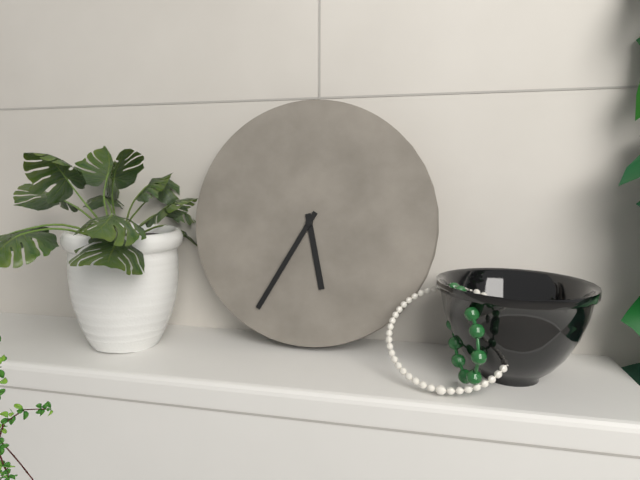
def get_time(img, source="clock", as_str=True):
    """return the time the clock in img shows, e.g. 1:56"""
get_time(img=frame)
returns 5:35
